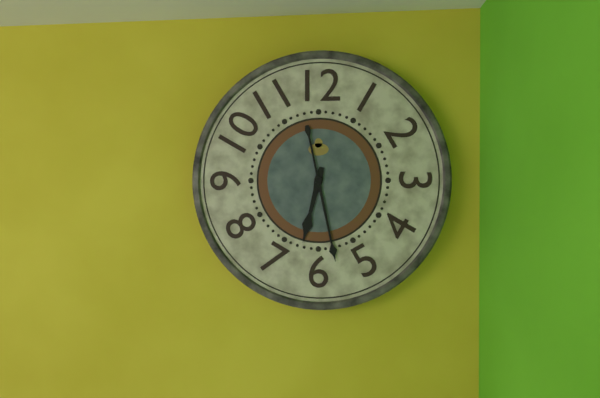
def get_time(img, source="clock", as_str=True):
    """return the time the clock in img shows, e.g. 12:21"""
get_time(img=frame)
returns 6:28
